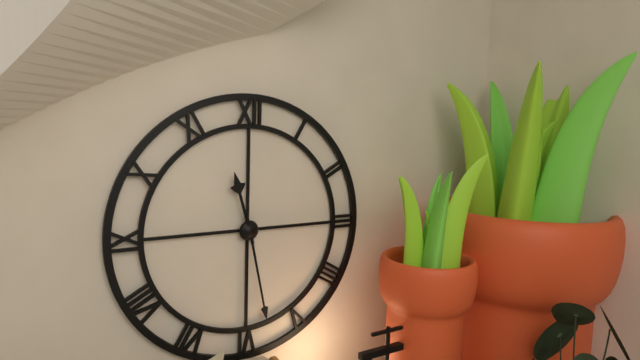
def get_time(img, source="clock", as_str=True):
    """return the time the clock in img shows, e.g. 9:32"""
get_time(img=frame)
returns 11:28
